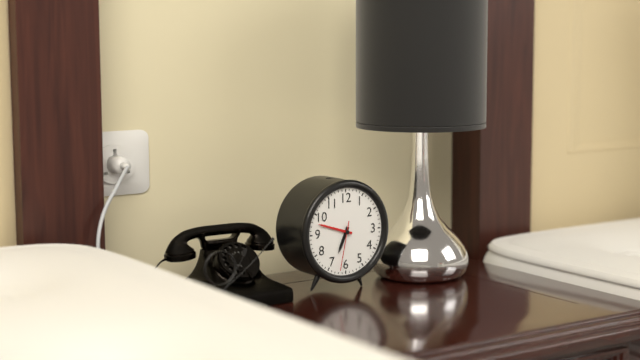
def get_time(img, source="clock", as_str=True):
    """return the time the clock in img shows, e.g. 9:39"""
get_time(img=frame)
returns 6:48
